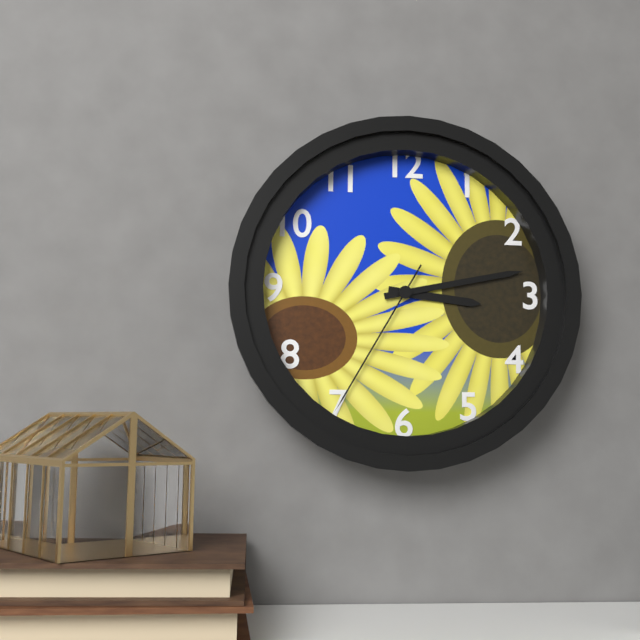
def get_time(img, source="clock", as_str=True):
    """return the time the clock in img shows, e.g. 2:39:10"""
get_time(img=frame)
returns 3:13:35
